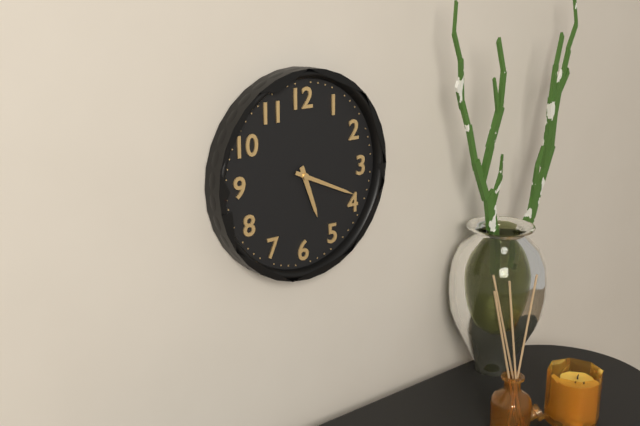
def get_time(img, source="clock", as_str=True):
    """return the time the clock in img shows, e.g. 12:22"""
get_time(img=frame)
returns 5:19
